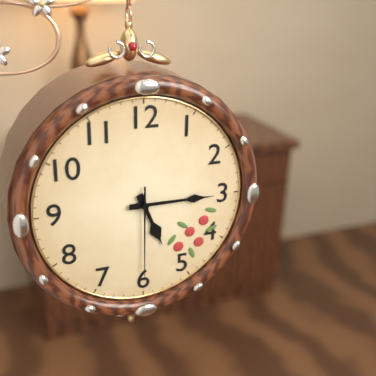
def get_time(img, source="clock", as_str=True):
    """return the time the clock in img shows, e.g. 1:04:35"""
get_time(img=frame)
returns 5:15:30
